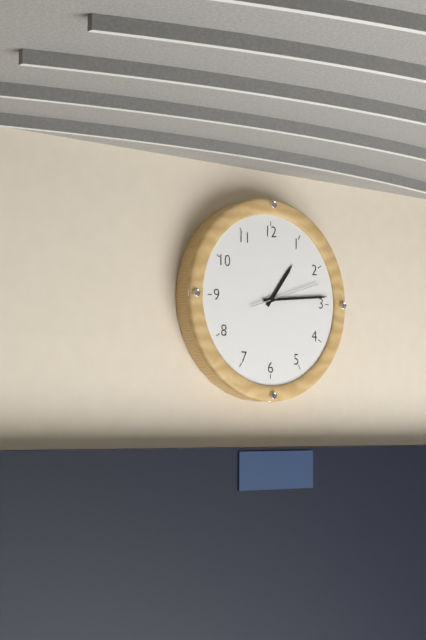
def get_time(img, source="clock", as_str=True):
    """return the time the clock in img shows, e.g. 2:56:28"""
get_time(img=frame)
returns 1:14:12
